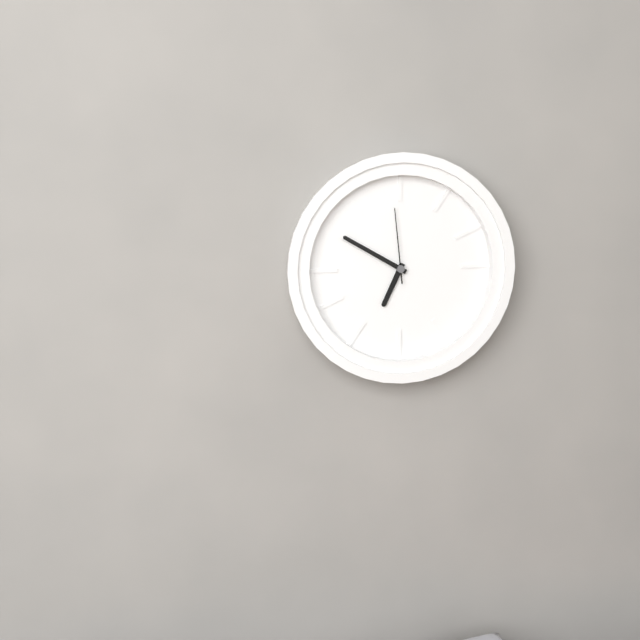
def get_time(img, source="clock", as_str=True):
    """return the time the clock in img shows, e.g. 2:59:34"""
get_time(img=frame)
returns 6:50:59
